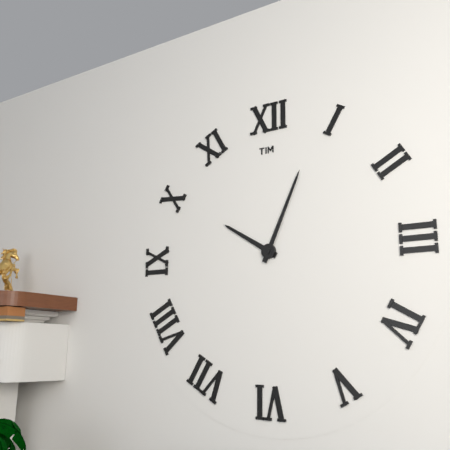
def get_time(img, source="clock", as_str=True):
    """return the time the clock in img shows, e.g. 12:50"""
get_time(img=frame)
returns 10:04
